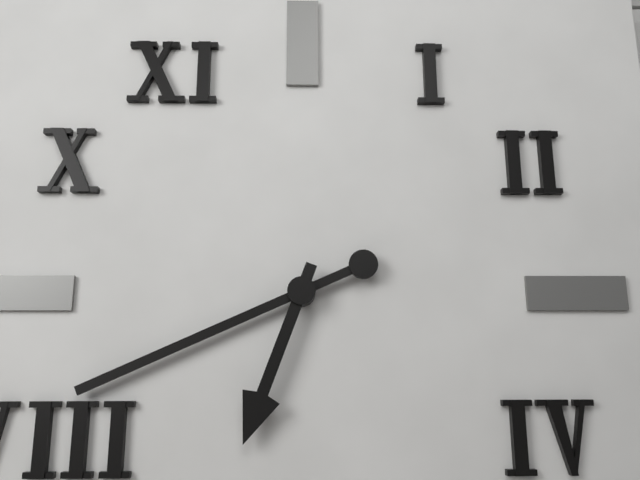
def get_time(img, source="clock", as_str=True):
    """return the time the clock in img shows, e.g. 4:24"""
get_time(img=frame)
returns 6:41
